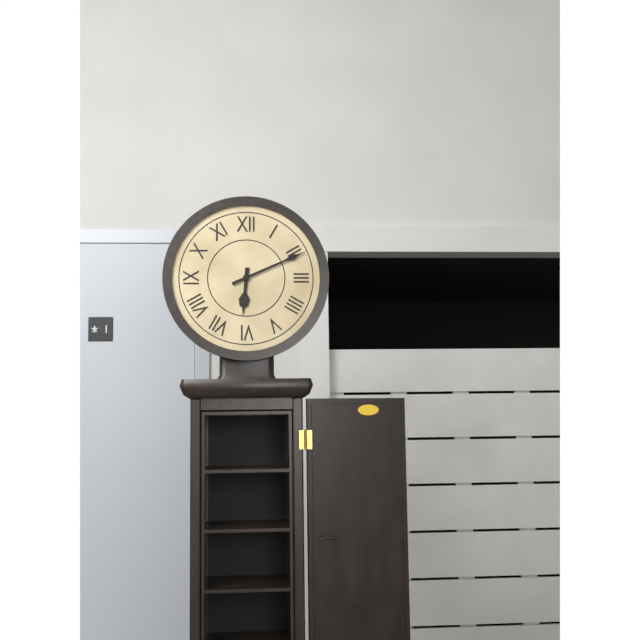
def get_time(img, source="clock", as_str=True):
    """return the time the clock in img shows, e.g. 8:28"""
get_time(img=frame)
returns 6:11
